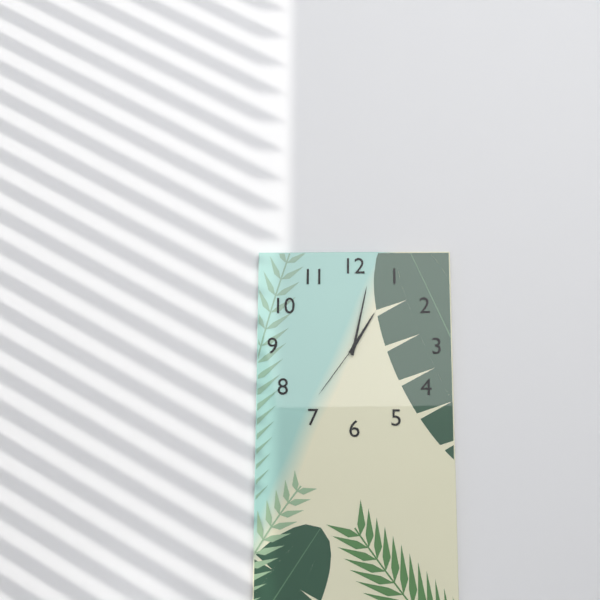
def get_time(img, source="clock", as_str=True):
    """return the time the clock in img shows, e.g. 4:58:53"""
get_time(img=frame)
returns 1:02:36
